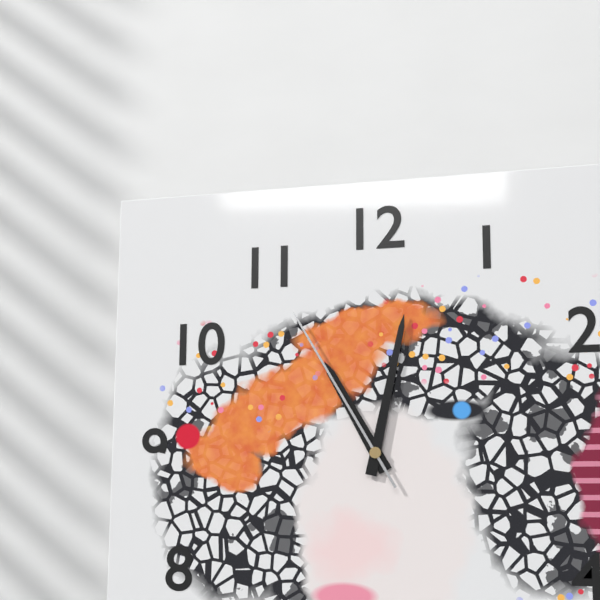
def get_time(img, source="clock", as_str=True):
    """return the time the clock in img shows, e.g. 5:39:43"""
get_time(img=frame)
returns 11:02:55
